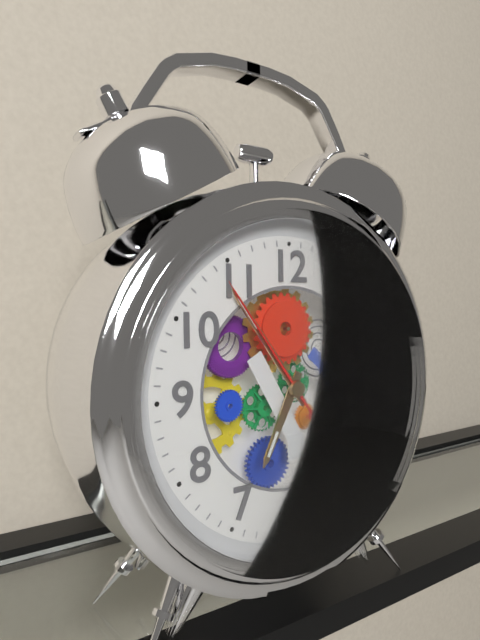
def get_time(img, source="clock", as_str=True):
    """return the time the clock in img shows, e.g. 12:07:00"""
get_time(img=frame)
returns 6:54:54
